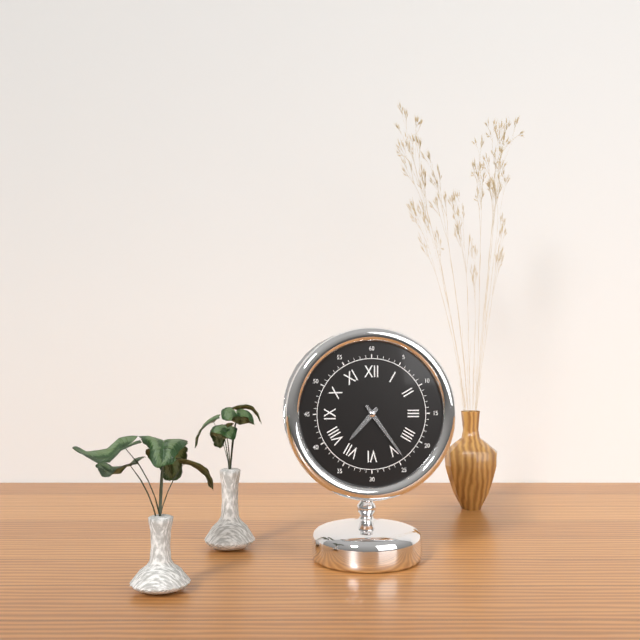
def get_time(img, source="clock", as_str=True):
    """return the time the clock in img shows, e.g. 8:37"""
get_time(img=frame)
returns 7:24
